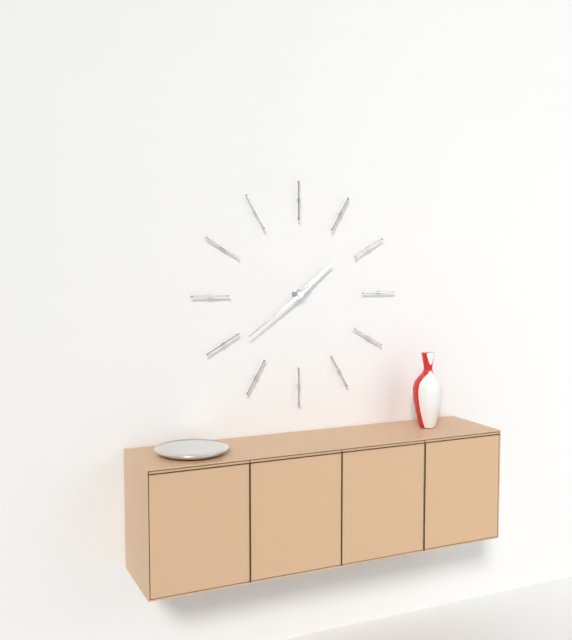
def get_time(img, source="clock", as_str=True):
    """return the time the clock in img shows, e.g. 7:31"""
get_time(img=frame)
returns 1:39
